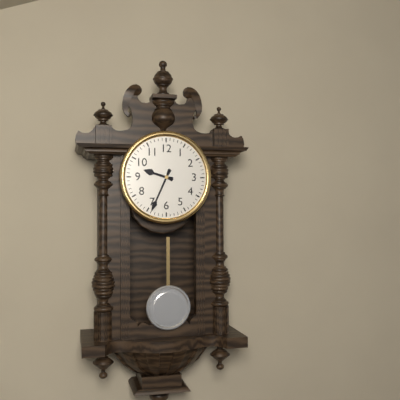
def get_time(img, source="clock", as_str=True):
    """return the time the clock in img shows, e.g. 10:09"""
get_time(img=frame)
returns 9:34
